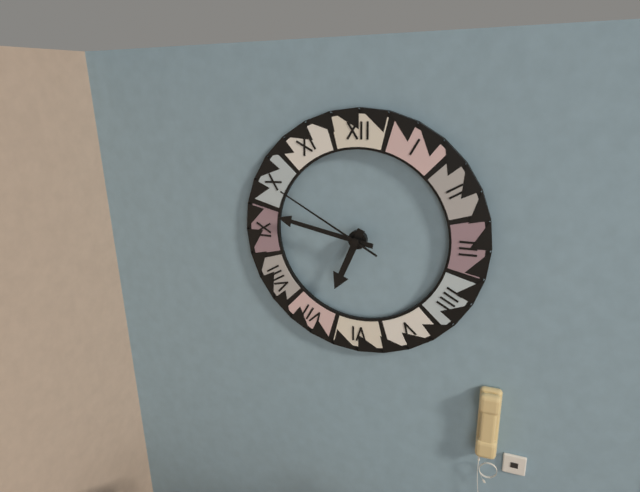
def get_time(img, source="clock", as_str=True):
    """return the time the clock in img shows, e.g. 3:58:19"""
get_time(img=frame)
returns 6:47:50
